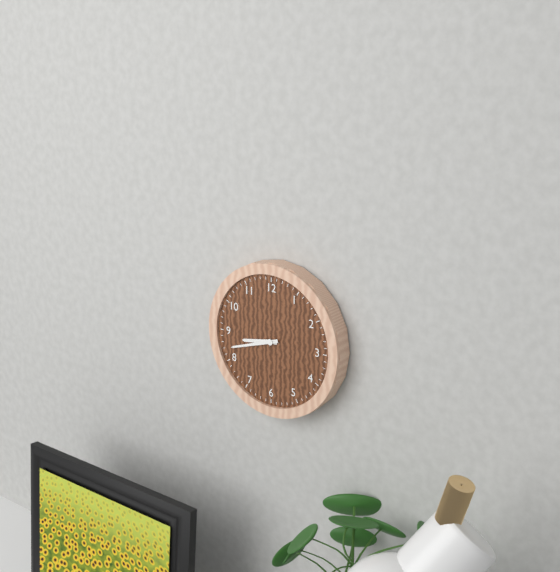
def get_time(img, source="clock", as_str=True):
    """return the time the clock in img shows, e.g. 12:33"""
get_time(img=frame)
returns 8:42
